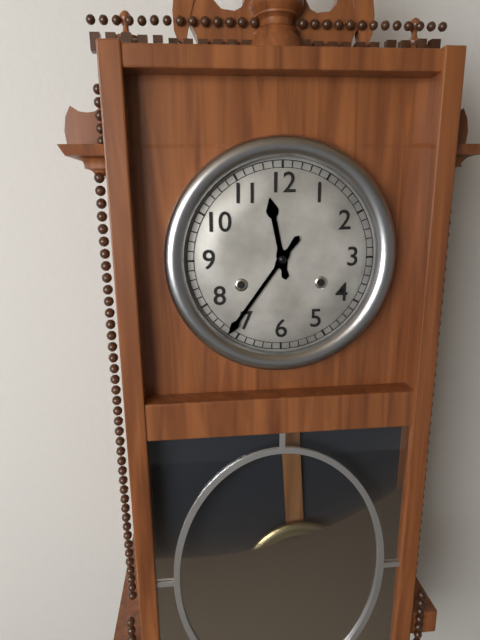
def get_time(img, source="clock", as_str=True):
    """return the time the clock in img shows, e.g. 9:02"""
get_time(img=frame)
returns 11:36
